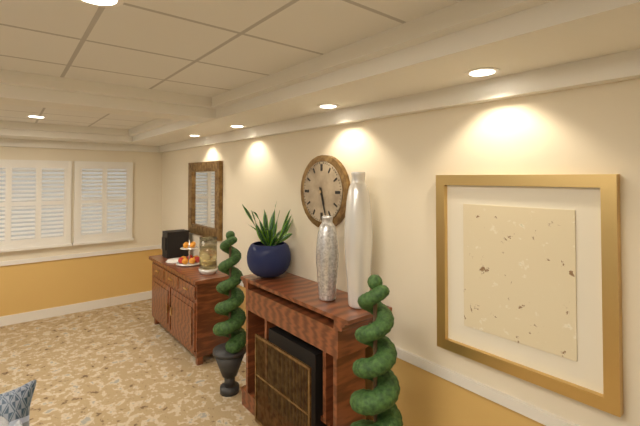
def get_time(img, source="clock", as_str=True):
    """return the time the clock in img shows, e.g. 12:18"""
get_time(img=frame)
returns 5:27
